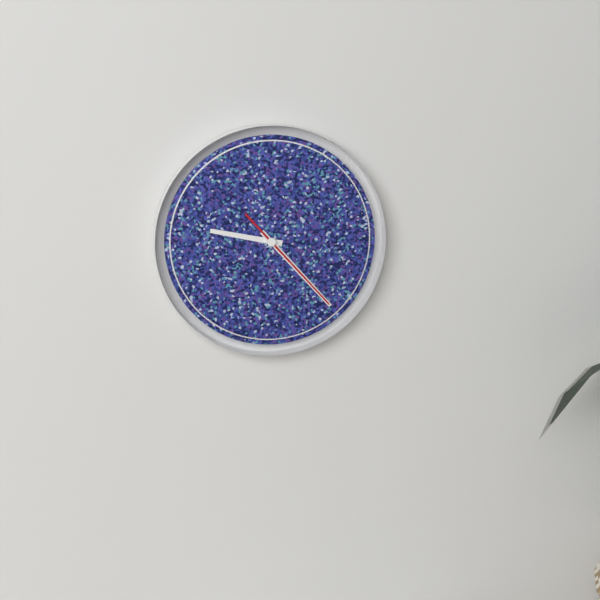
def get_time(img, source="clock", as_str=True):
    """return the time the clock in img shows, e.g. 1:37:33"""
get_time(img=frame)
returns 9:23:23
